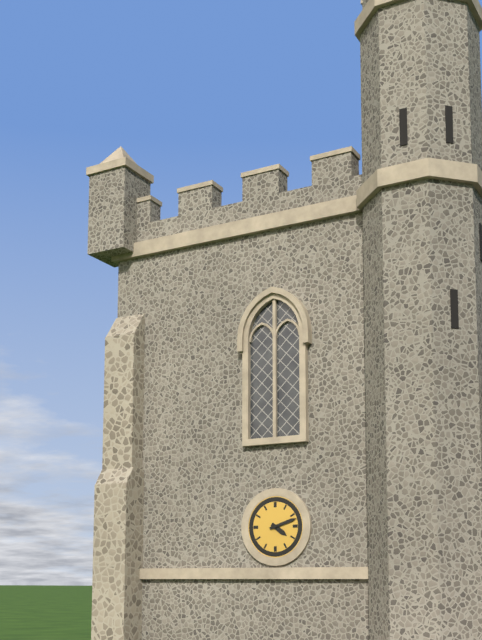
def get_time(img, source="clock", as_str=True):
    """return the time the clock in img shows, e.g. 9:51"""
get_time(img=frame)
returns 4:12
